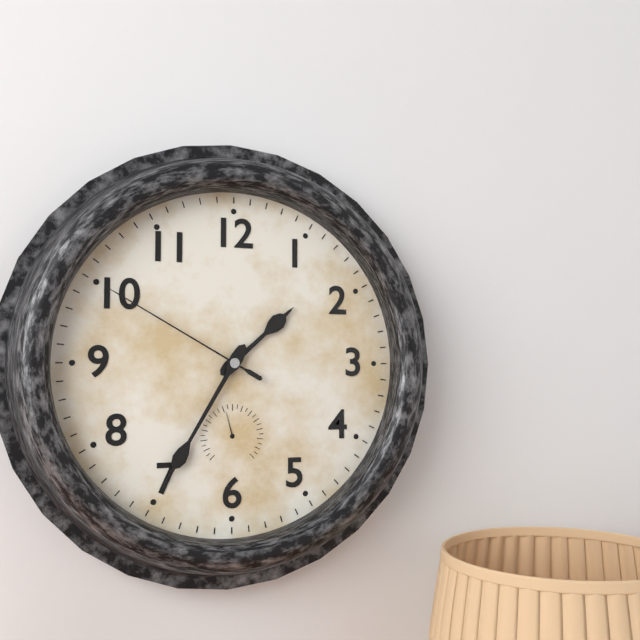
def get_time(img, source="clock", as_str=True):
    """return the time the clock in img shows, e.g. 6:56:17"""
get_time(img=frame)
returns 1:35:50
